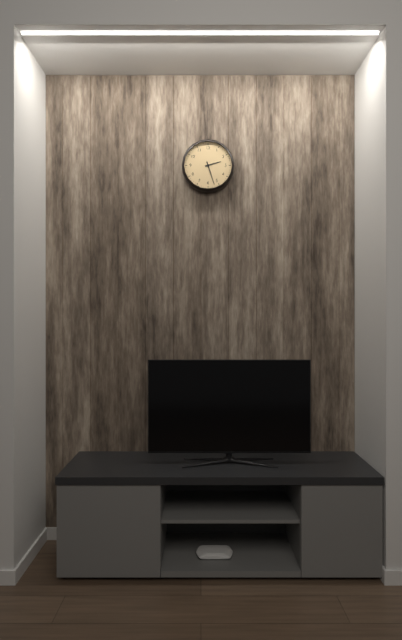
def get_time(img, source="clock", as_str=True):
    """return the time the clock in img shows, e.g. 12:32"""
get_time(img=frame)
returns 2:27
